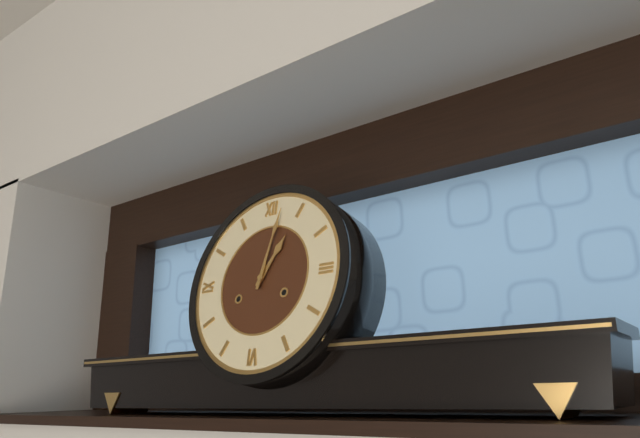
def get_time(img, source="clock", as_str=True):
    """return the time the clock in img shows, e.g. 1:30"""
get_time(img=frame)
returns 1:02
